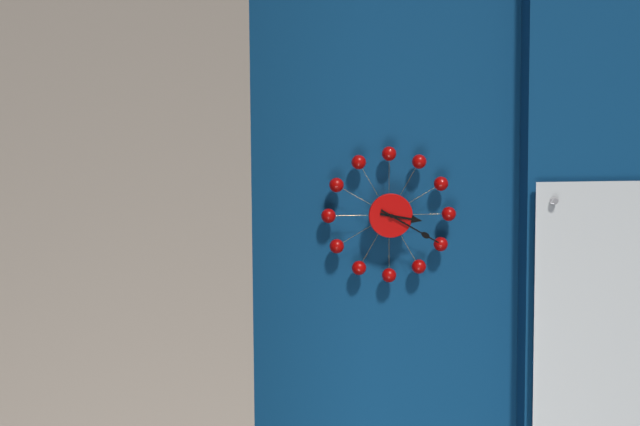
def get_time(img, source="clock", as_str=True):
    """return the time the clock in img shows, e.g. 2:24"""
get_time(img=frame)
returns 3:20
